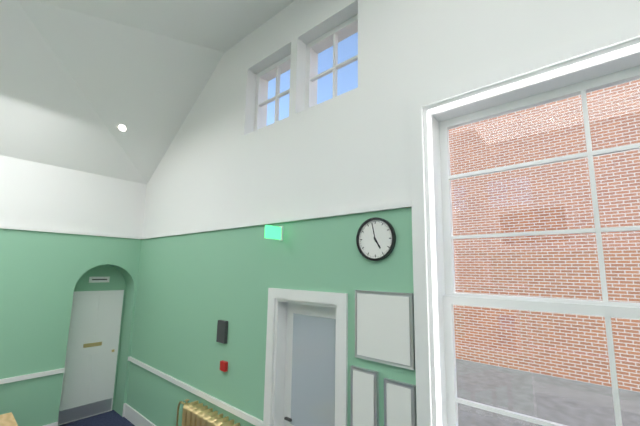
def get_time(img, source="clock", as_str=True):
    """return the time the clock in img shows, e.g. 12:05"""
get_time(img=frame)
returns 4:58
